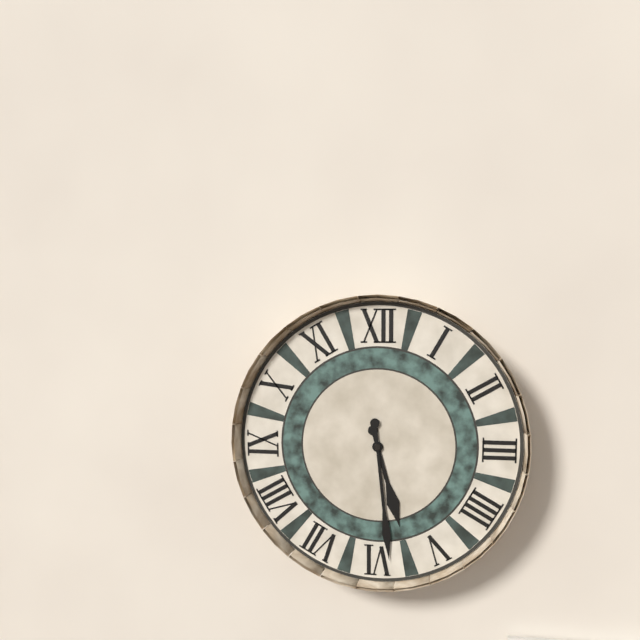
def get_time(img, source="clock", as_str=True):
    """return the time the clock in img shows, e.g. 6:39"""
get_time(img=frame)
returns 5:29
